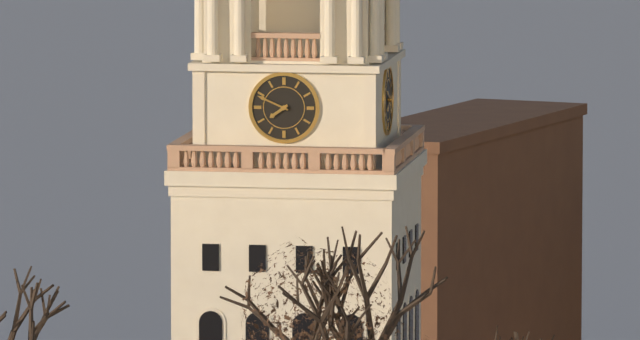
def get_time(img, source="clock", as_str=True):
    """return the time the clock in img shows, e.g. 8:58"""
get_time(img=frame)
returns 7:49
